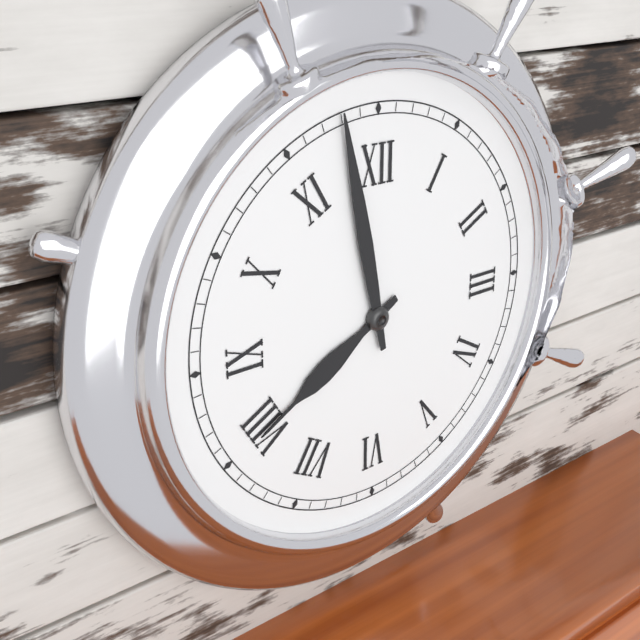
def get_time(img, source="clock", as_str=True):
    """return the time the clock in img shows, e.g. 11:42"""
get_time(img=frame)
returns 7:58
